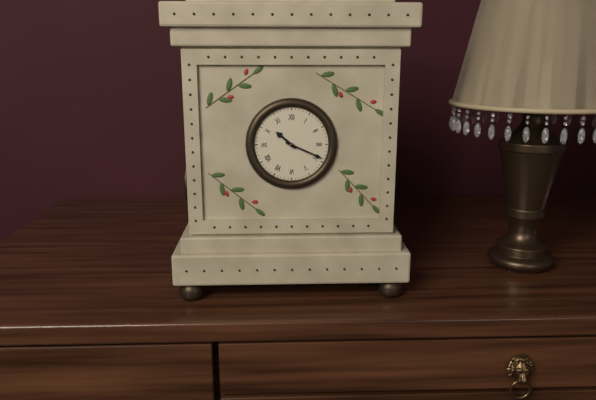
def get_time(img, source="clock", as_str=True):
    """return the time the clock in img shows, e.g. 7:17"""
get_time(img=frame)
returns 10:19
